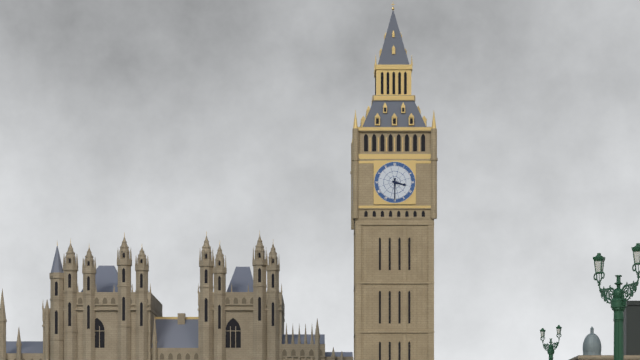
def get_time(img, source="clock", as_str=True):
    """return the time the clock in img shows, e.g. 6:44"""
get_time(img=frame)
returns 3:30
